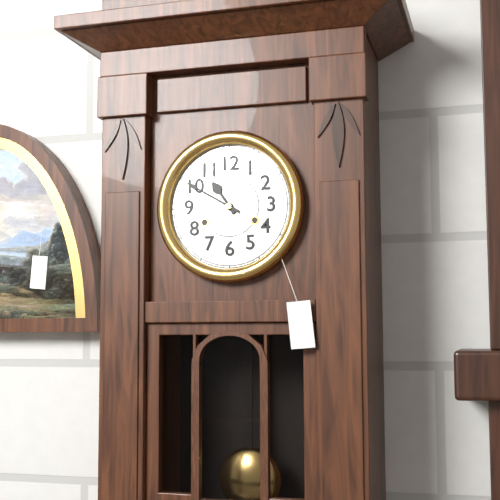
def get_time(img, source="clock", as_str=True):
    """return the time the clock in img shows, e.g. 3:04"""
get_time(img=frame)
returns 10:50
